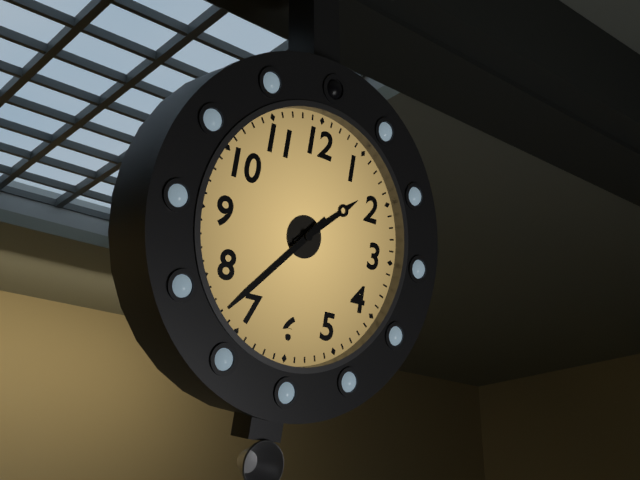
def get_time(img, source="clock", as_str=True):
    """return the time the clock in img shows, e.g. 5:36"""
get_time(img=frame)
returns 1:37
